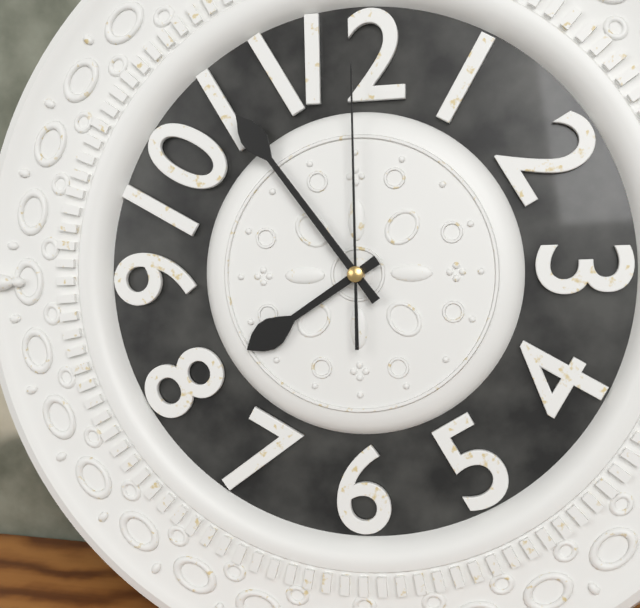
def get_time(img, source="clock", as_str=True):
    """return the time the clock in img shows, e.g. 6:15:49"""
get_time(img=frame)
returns 7:54:00
